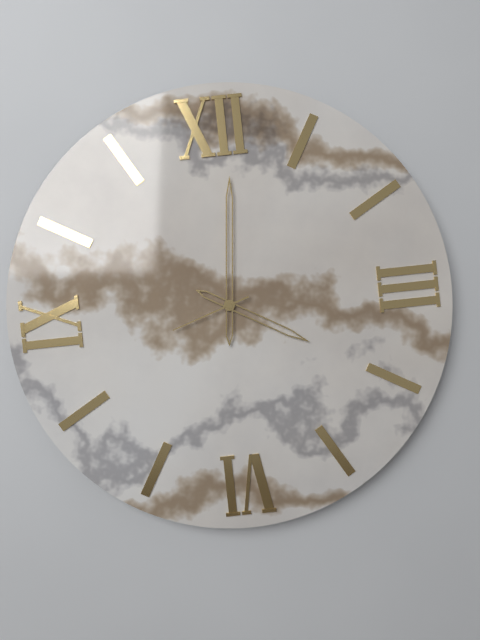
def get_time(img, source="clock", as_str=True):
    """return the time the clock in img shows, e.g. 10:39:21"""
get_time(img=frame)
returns 4:01:42
